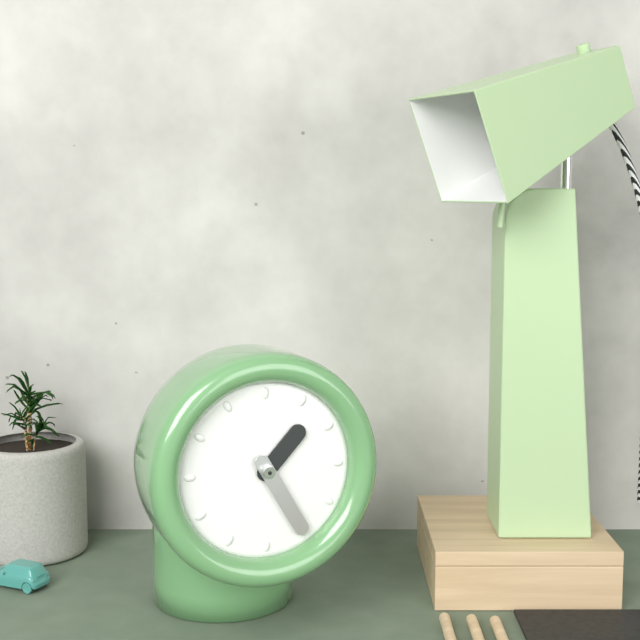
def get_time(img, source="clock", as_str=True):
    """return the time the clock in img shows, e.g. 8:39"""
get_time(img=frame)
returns 1:25
